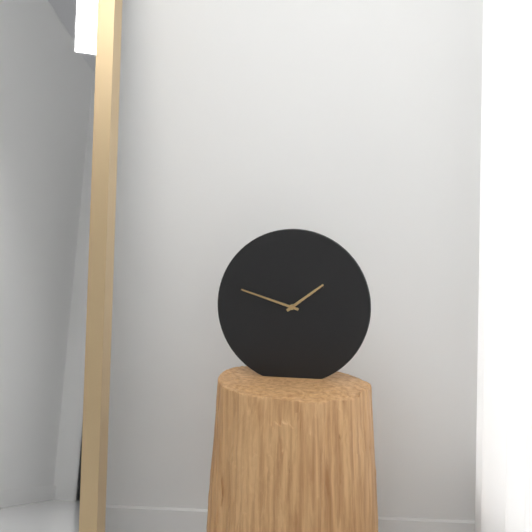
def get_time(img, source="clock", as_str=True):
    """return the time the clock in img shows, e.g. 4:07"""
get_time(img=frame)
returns 1:48
